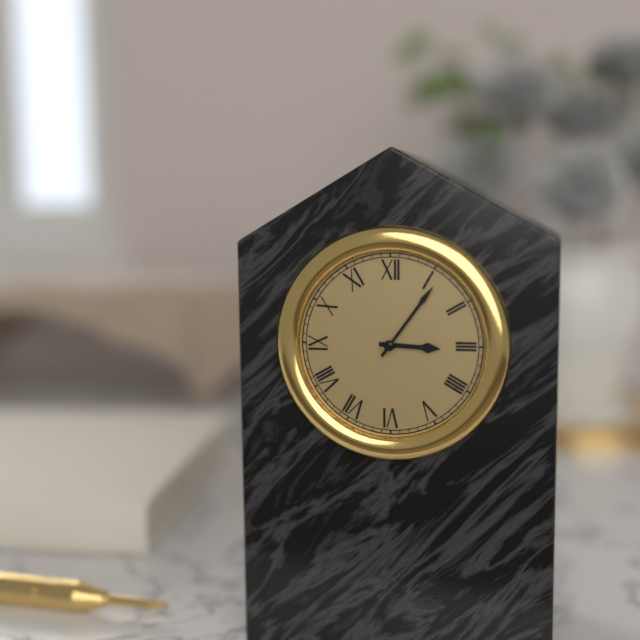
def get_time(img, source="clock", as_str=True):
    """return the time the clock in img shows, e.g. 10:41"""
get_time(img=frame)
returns 3:06
